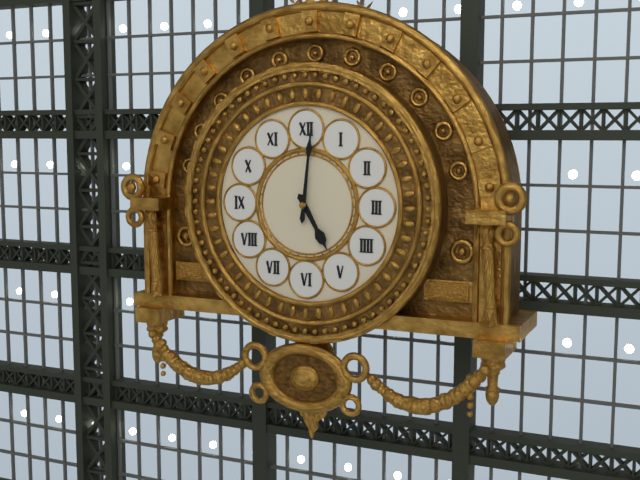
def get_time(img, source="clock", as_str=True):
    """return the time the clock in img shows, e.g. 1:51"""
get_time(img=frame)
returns 5:01
